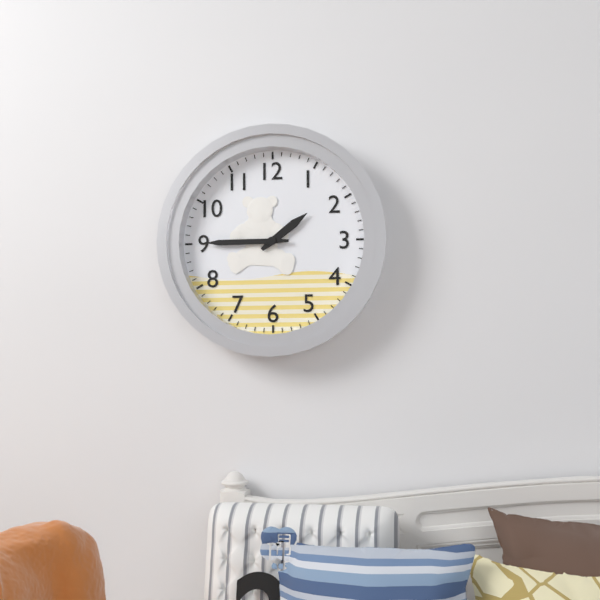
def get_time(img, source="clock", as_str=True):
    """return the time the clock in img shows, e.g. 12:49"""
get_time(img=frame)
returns 1:45
